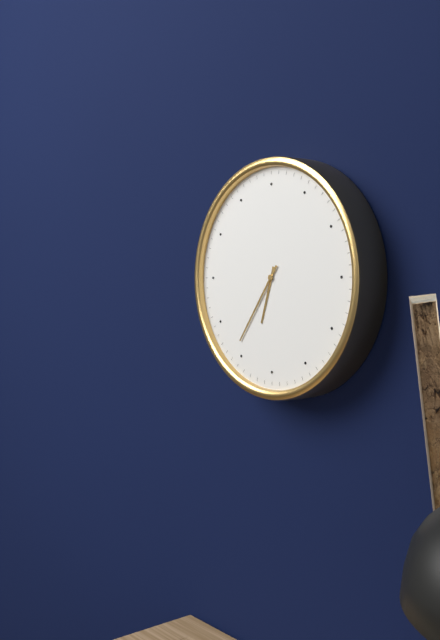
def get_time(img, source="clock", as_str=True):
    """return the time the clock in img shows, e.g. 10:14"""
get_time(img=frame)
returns 6:36
